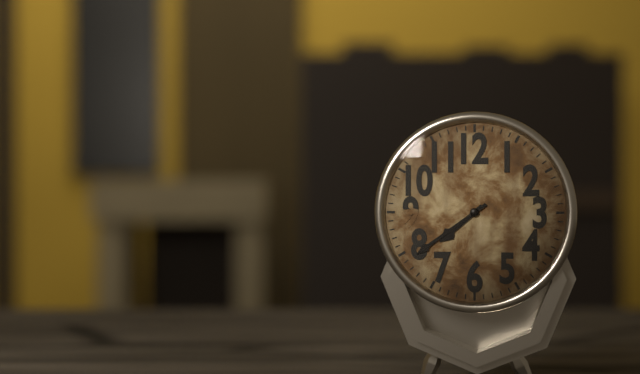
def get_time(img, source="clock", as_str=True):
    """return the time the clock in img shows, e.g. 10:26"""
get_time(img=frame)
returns 7:39
